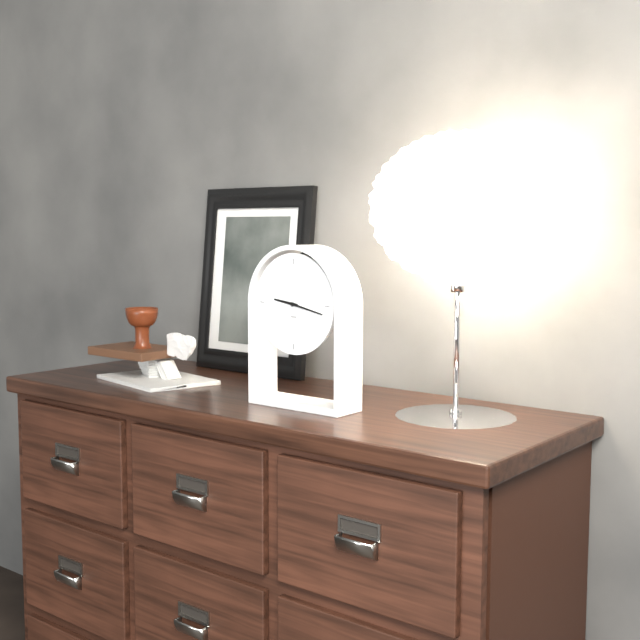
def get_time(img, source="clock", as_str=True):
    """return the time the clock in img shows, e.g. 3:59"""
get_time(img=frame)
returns 9:17
